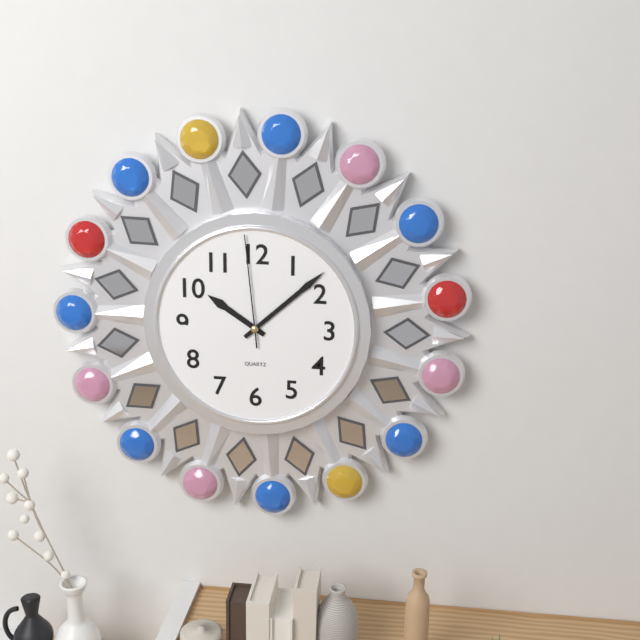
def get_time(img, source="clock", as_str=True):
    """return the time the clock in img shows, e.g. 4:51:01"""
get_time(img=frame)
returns 10:08:59
